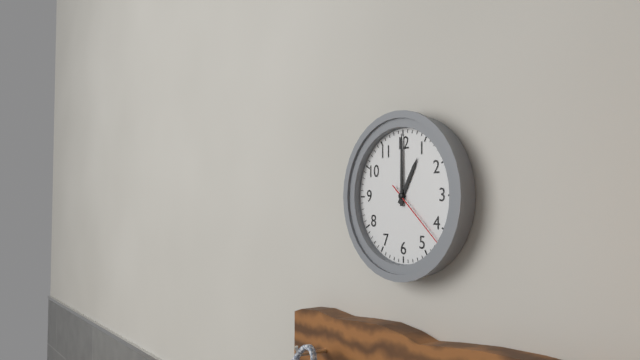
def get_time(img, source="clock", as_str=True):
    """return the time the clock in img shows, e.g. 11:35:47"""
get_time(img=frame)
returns 1:00:22
